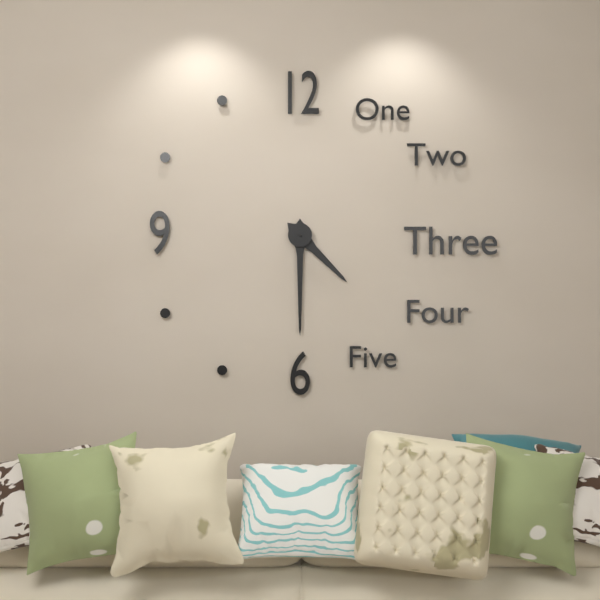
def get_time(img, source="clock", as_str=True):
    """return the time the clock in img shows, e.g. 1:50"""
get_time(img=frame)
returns 4:30
